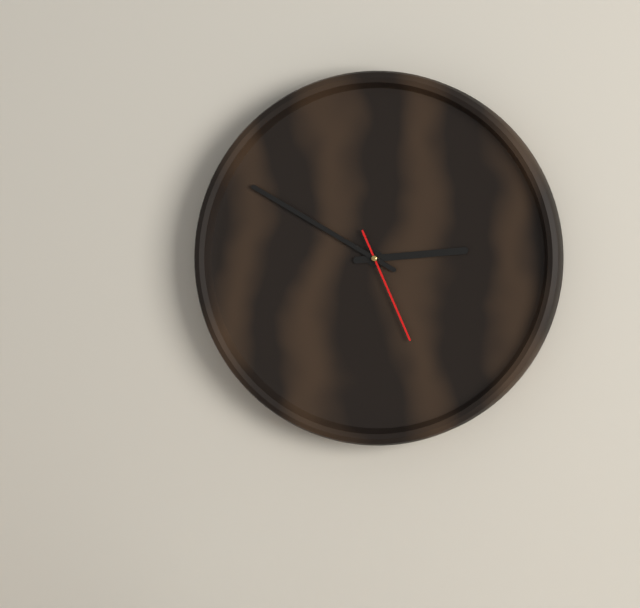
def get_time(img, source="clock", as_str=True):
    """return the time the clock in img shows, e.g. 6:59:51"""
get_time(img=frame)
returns 2:50:26
